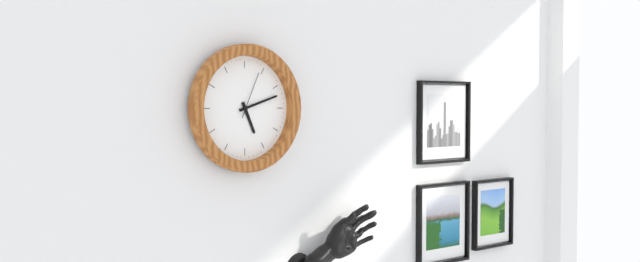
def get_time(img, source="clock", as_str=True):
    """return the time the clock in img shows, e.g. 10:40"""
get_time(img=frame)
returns 5:12
